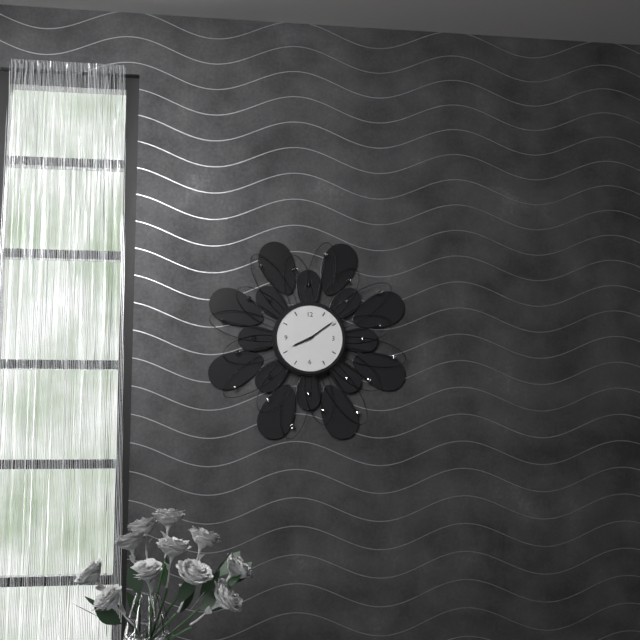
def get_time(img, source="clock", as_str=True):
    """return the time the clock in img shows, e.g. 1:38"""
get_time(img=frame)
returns 8:09
